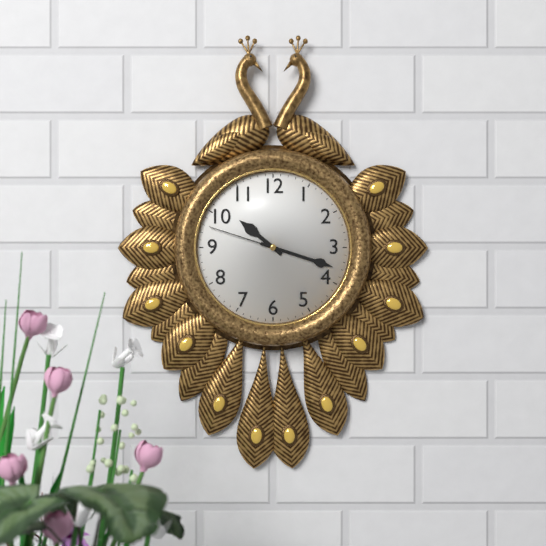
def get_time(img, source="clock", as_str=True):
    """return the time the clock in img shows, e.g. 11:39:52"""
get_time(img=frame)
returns 10:18:48
